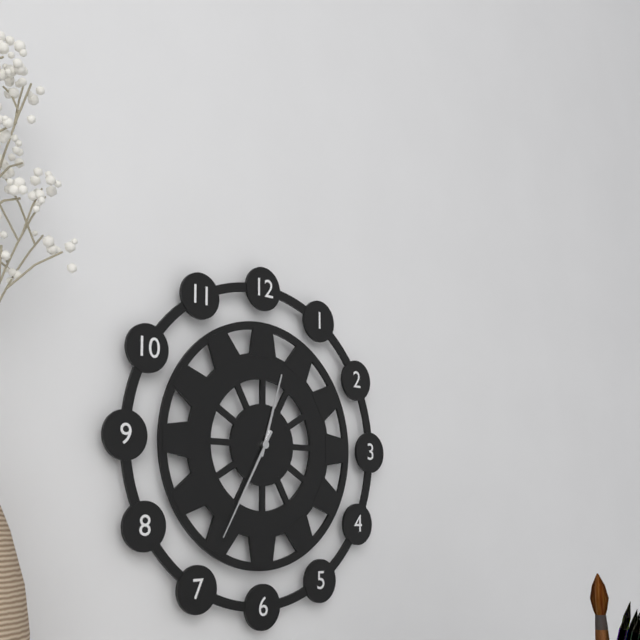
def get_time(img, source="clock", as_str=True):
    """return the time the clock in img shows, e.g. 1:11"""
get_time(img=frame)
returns 12:35
